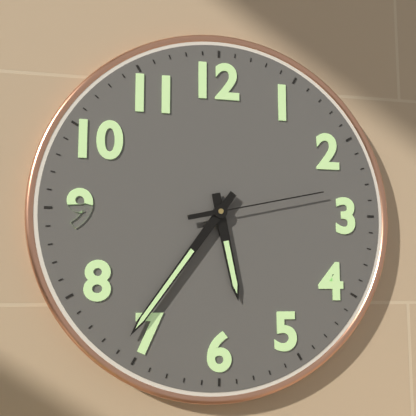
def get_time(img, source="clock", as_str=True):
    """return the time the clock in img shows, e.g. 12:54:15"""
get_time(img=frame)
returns 5:36:13
